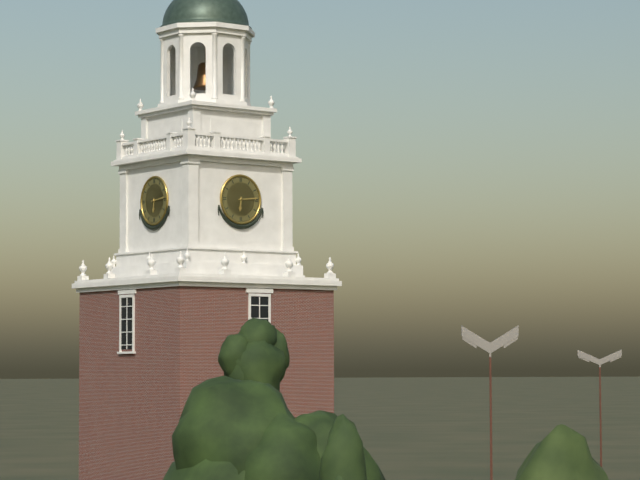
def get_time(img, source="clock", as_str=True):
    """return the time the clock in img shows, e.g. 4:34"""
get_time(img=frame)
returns 6:14
